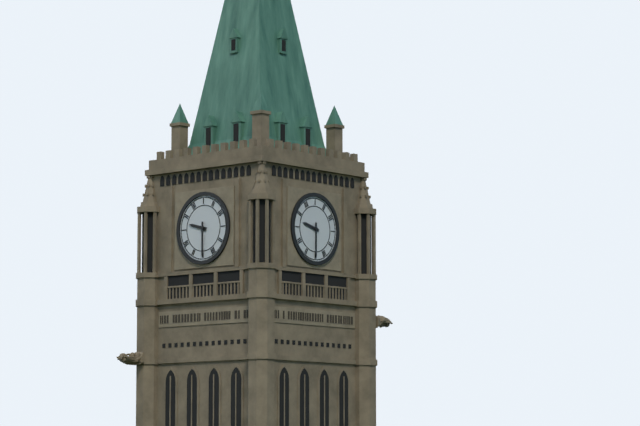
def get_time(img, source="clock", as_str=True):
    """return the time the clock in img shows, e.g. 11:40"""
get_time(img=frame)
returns 9:30
